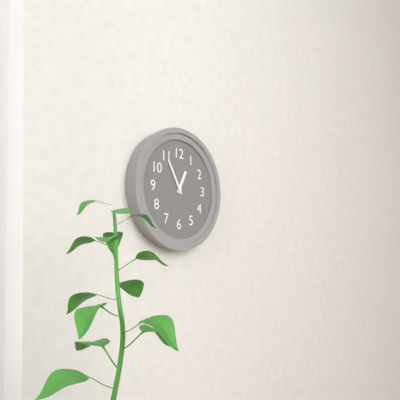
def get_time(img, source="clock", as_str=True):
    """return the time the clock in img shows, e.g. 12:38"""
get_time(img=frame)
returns 12:55
